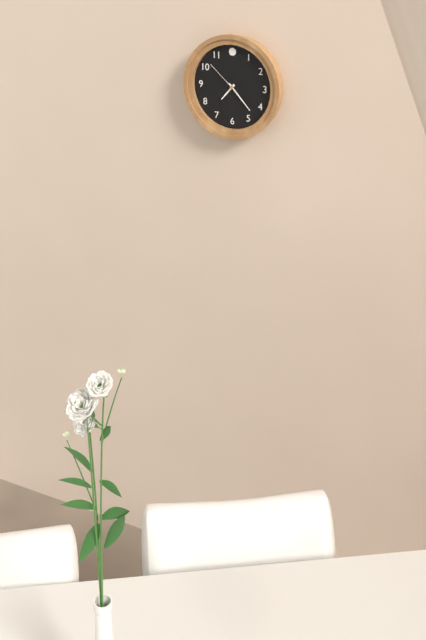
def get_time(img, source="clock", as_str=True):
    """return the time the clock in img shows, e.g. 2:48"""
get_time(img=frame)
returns 7:23
